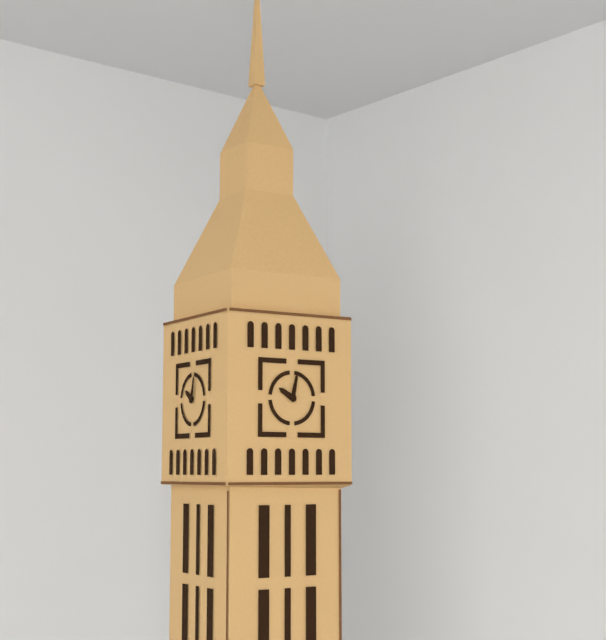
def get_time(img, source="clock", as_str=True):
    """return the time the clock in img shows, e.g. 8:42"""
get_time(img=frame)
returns 10:02
